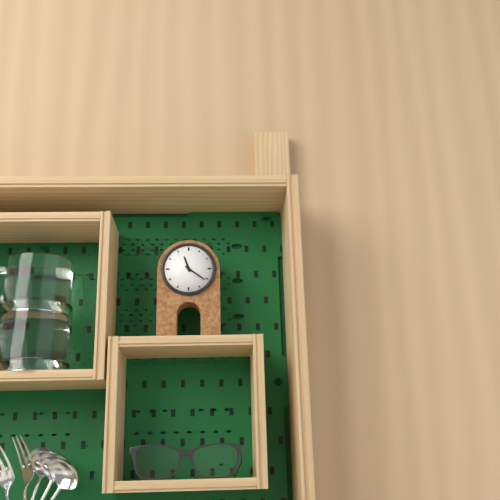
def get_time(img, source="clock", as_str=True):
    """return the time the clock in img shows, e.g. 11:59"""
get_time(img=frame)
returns 11:21
